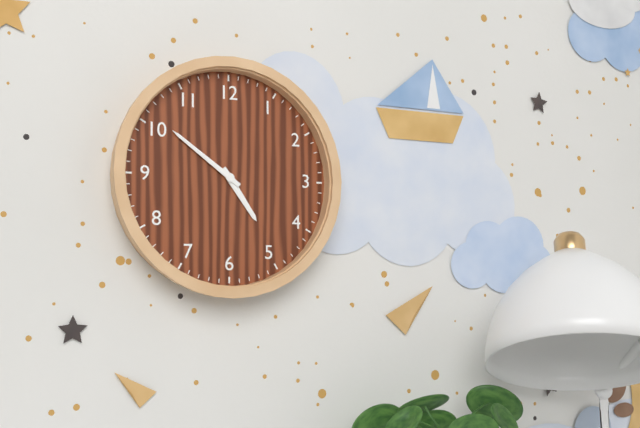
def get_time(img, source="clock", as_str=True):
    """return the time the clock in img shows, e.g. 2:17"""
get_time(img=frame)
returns 4:51
